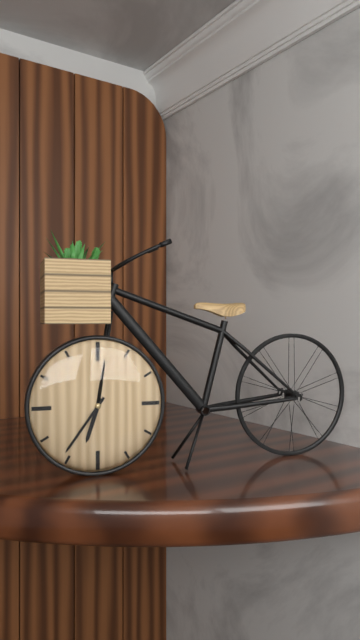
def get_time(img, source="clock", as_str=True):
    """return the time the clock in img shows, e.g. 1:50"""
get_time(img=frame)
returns 6:36
